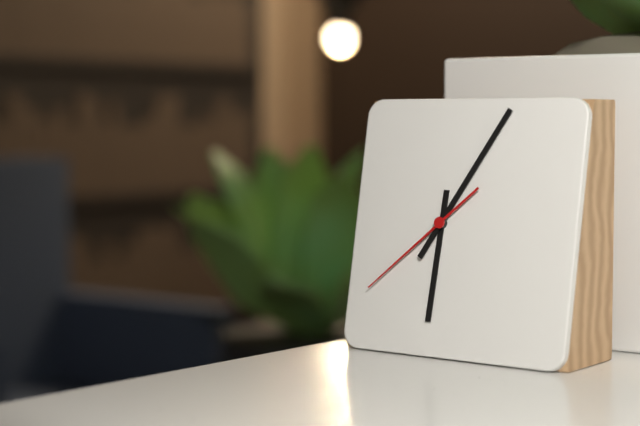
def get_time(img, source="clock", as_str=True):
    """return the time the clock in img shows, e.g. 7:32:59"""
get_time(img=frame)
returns 6:05:38
